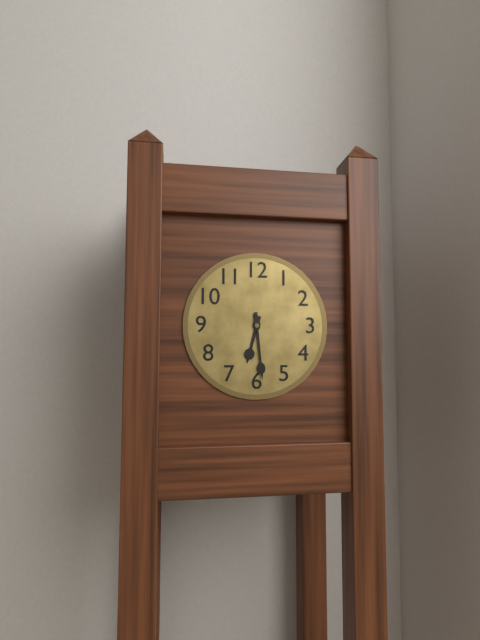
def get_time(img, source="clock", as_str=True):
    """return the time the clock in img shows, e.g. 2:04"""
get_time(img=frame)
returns 6:29
